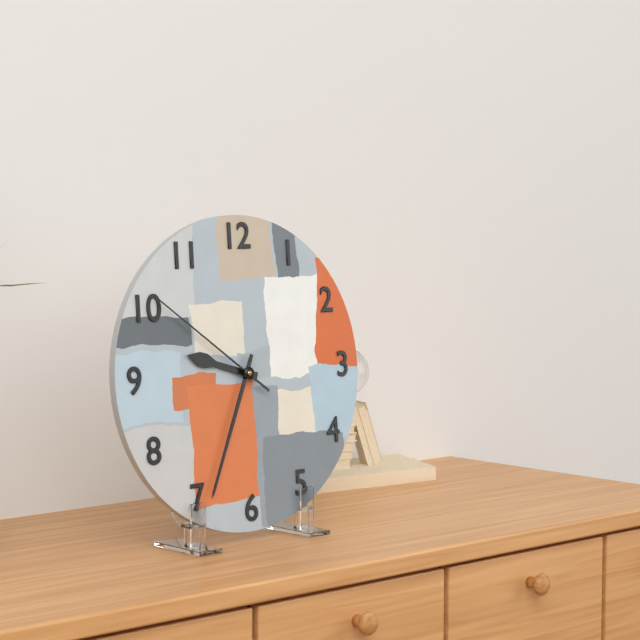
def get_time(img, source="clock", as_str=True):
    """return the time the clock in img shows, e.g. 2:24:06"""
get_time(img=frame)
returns 9:34:51
